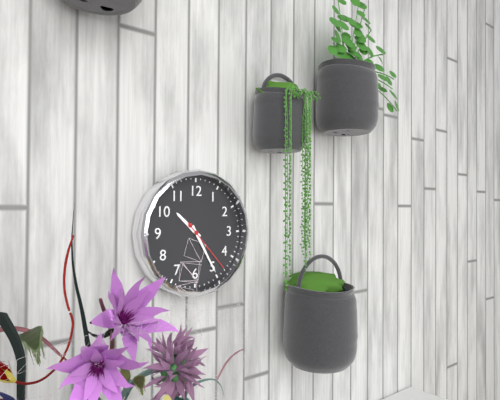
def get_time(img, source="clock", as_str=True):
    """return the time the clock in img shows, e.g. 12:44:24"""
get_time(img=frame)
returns 10:25:23
